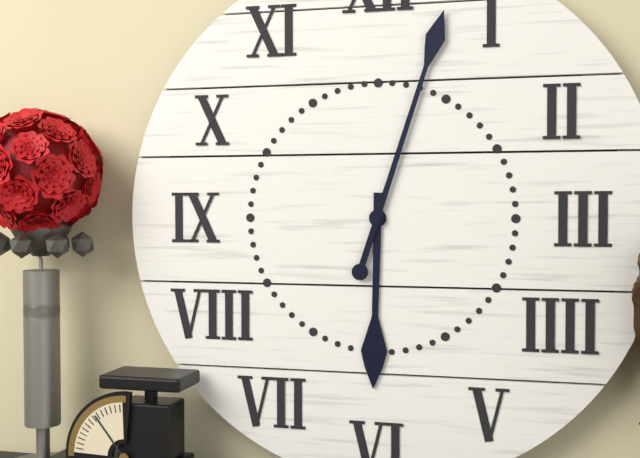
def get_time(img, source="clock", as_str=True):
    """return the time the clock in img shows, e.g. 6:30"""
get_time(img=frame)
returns 6:03
